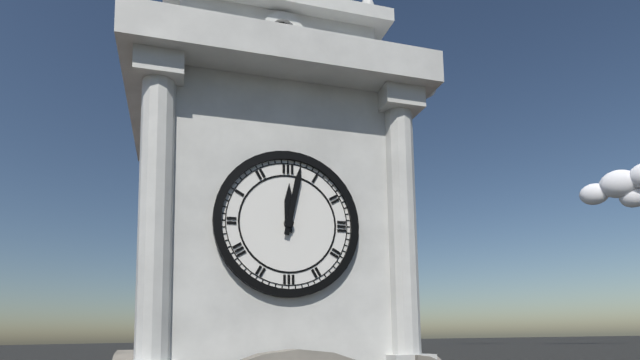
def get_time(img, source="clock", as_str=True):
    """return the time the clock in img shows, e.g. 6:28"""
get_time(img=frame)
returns 12:02
